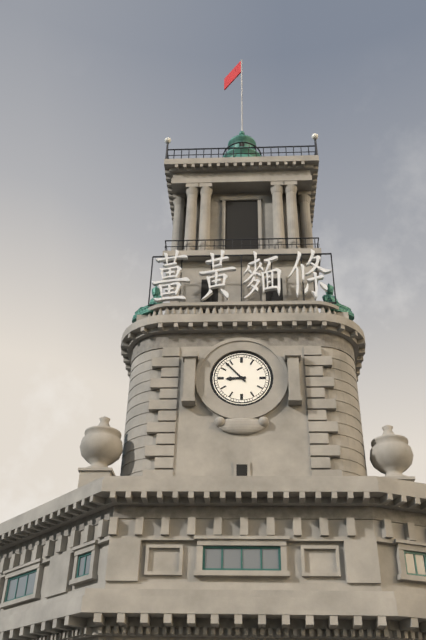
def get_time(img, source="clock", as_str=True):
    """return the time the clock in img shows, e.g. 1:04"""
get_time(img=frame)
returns 8:53
